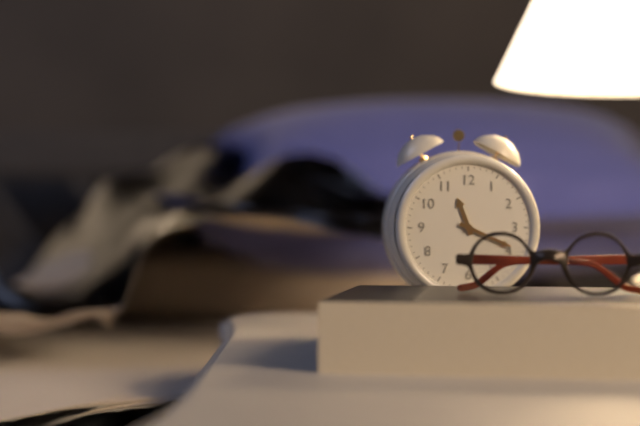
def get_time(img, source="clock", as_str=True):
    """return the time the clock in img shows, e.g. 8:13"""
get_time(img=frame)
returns 11:19
